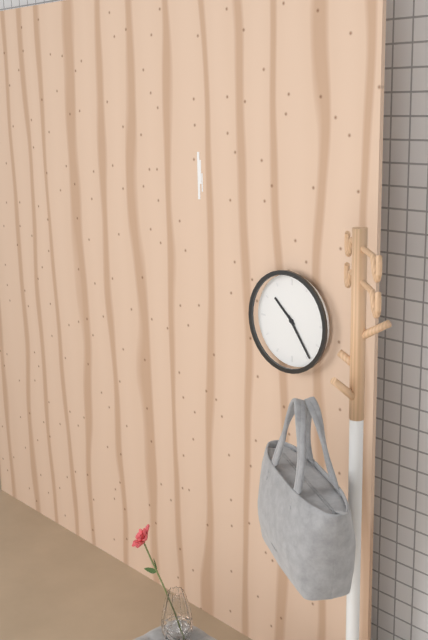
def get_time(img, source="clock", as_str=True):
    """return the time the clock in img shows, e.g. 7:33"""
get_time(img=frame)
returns 10:24
